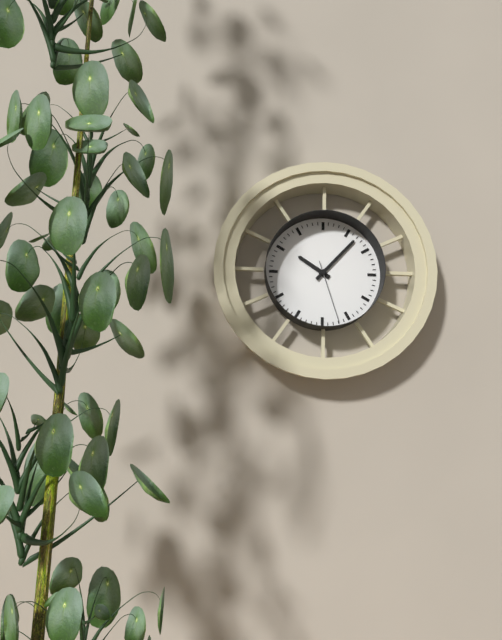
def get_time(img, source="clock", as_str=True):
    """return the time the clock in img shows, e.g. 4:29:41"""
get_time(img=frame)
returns 10:07:27
